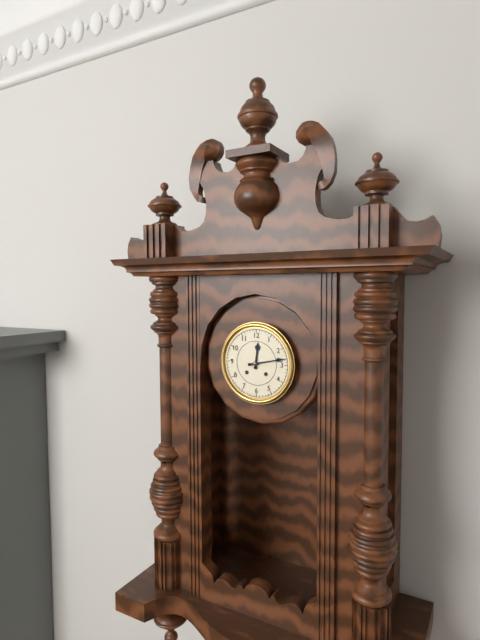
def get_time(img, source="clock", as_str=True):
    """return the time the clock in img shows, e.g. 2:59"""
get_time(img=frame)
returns 12:13
